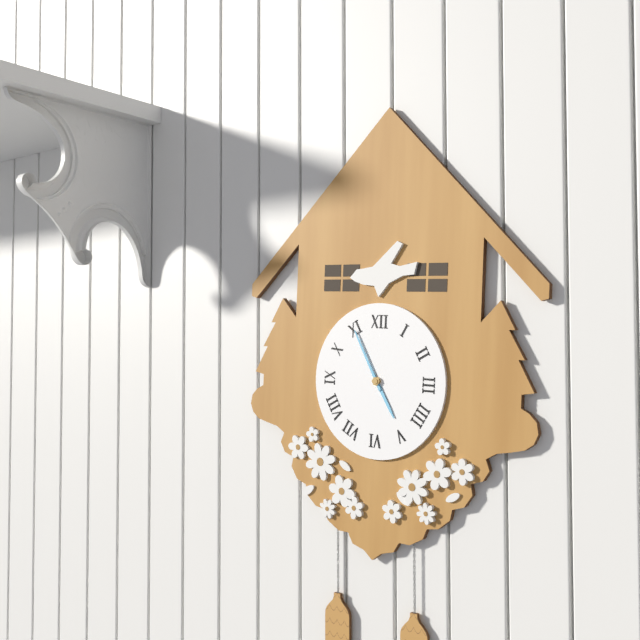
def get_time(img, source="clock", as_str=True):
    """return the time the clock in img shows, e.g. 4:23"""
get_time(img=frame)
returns 4:55
